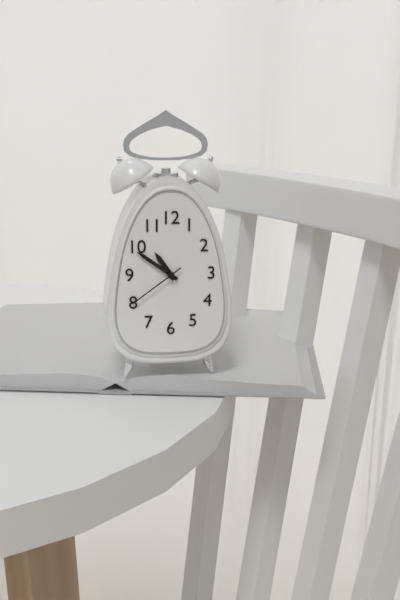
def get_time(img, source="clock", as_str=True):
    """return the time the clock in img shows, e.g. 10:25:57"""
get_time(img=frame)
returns 10:51:39
